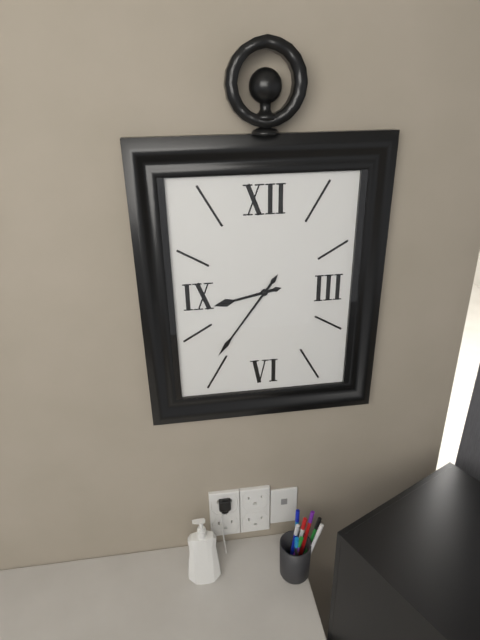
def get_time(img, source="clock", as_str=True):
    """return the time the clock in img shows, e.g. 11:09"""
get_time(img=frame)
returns 8:36
